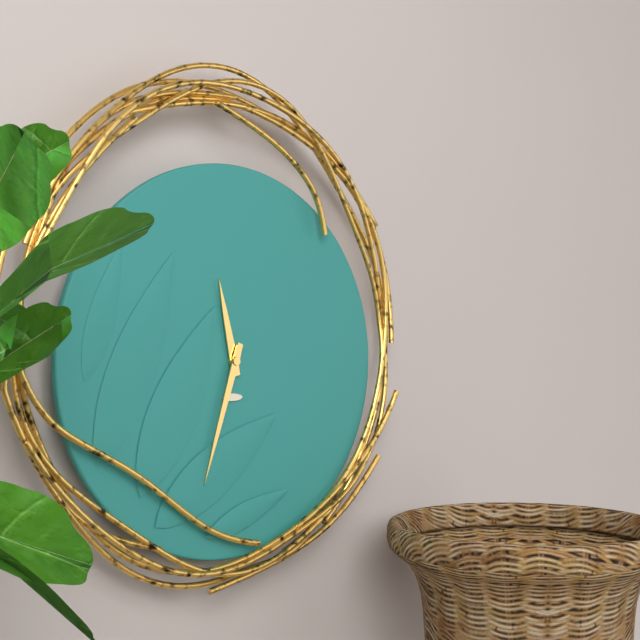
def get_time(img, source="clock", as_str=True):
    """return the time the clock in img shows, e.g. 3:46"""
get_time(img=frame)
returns 11:33
